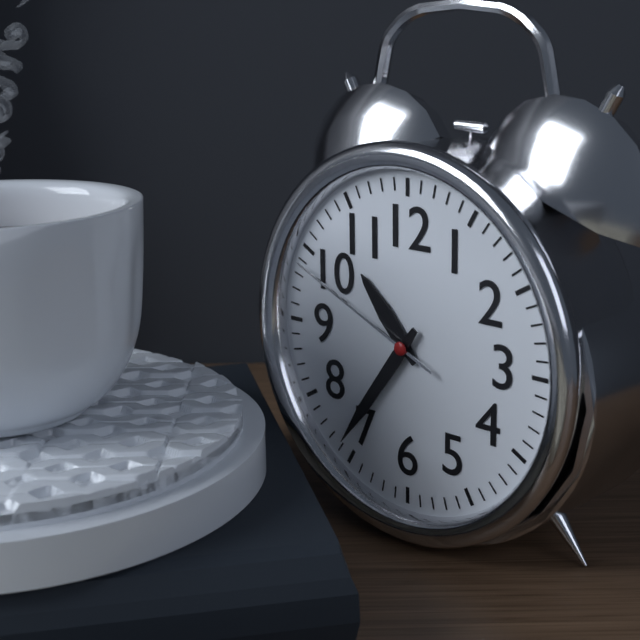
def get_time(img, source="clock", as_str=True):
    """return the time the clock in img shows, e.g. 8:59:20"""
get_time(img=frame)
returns 10:36:49
